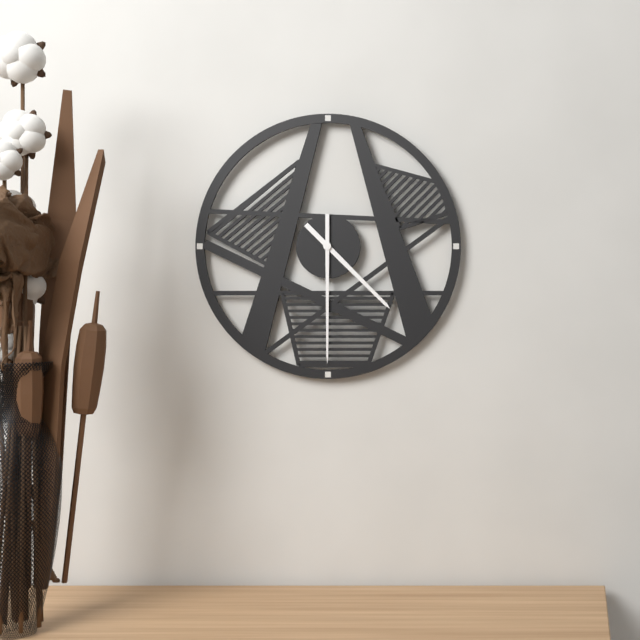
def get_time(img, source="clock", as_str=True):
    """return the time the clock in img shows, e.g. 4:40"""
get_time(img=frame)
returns 4:30
